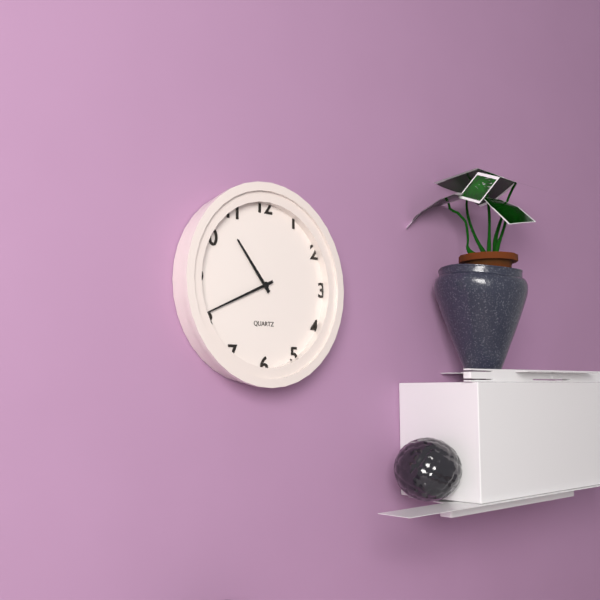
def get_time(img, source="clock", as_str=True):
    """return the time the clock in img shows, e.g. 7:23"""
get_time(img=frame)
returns 10:41
